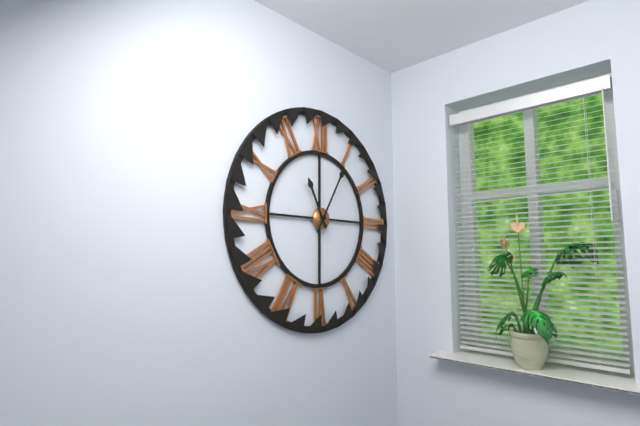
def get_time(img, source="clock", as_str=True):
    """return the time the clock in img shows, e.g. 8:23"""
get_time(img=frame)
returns 11:05
